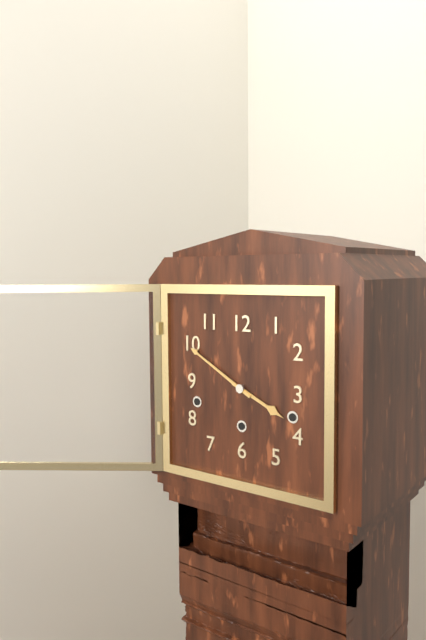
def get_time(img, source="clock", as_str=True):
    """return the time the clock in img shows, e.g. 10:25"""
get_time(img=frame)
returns 3:50
